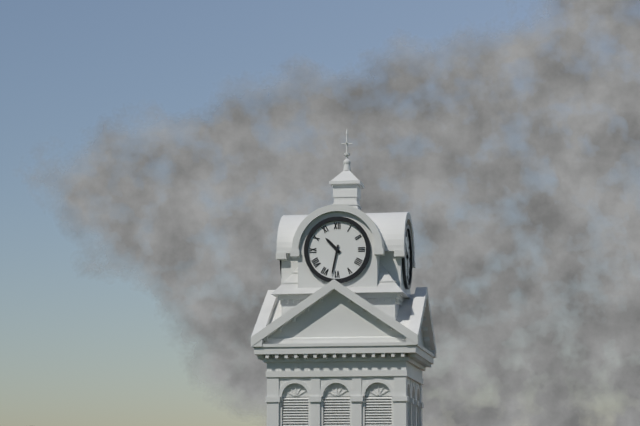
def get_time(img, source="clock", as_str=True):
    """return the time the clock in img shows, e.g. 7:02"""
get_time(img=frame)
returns 10:32
